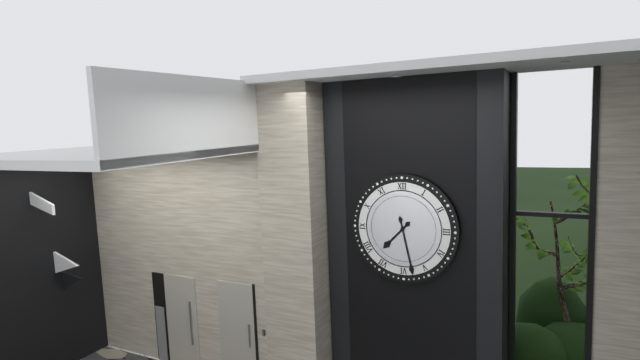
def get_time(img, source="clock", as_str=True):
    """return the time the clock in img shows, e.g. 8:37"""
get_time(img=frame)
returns 7:28
